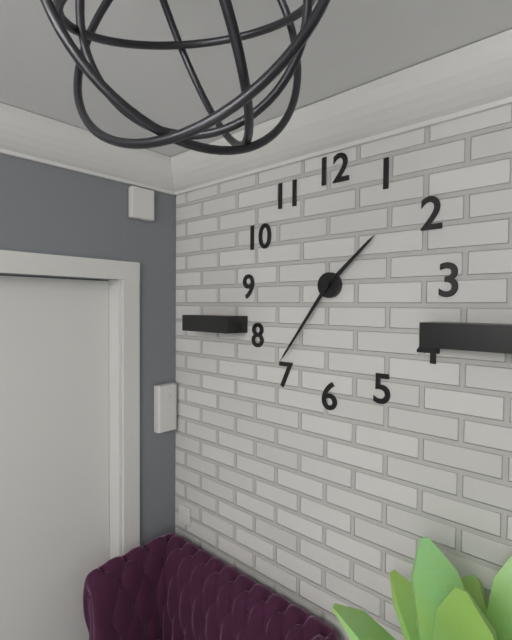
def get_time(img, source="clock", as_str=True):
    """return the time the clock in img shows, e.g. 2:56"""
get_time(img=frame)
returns 1:36
